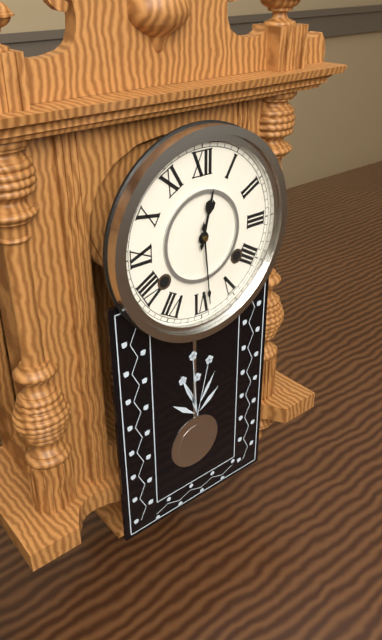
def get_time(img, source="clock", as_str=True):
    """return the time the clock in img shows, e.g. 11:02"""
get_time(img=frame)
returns 12:29
